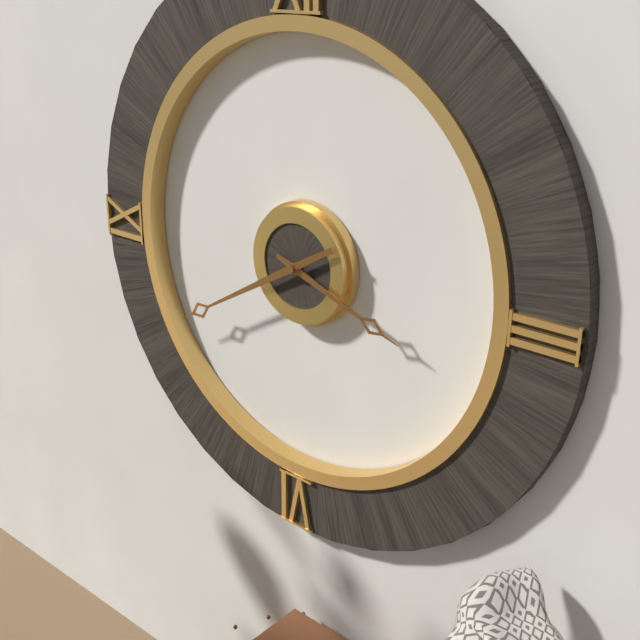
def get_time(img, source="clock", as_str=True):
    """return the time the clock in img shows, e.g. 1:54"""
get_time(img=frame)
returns 3:40
